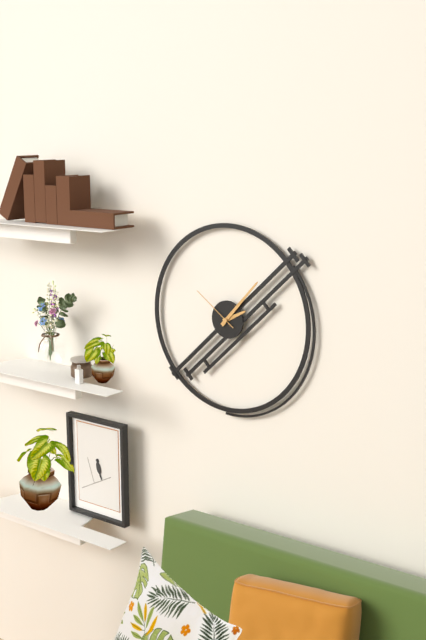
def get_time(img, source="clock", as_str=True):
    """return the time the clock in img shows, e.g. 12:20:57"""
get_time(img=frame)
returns 2:07:51
